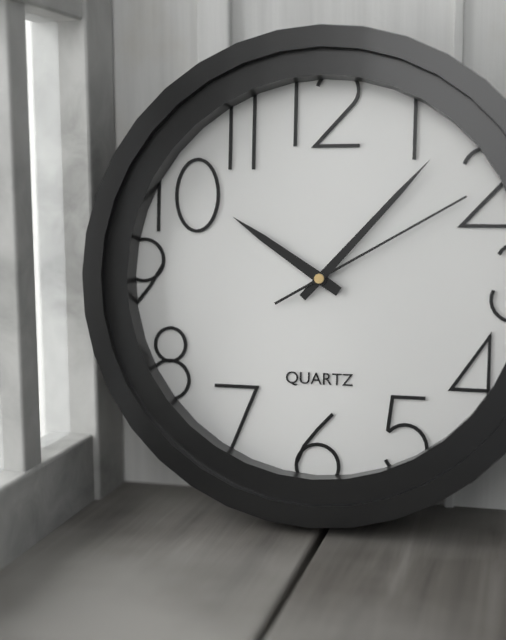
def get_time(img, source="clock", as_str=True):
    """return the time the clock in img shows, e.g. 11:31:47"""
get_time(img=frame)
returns 10:07:10
